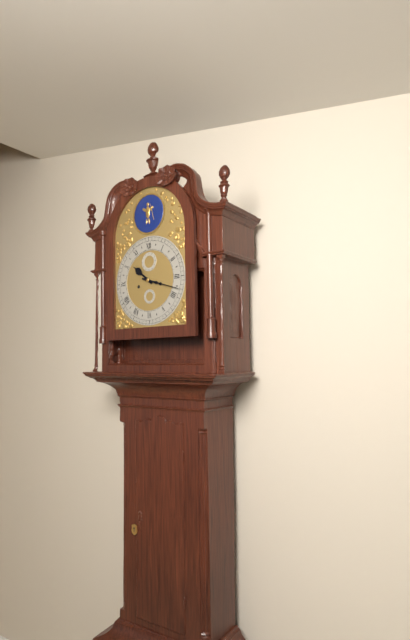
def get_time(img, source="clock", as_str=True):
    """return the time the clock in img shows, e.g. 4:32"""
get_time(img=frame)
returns 10:18
